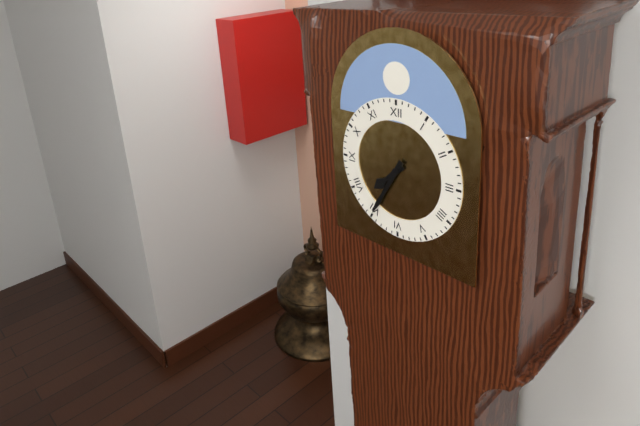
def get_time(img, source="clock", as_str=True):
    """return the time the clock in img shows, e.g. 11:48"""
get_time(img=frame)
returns 7:35
